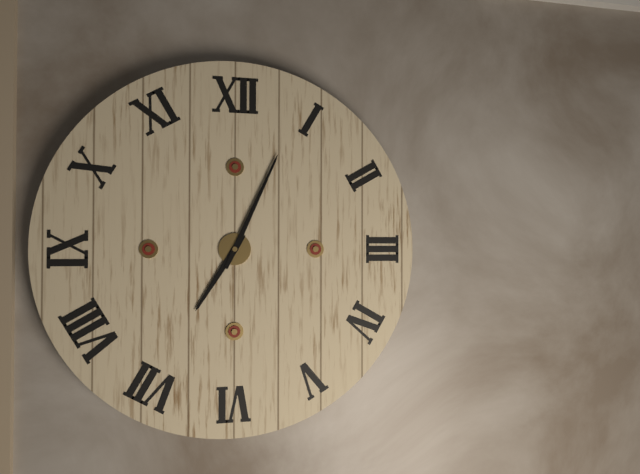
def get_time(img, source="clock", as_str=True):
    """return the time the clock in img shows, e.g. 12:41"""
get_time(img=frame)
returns 7:04
